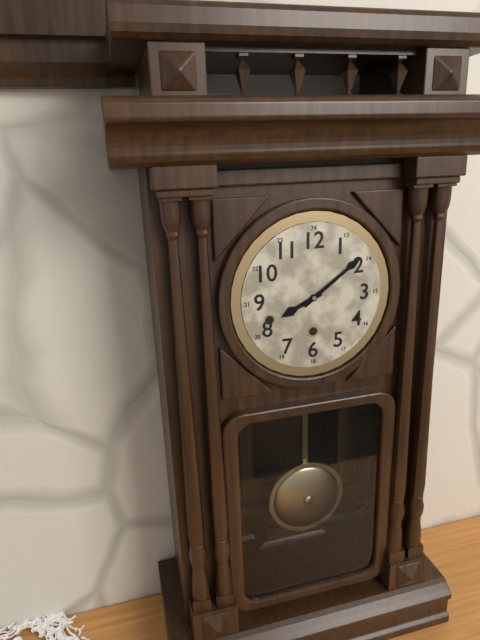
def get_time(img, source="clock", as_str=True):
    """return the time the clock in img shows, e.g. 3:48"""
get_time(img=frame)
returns 8:09
